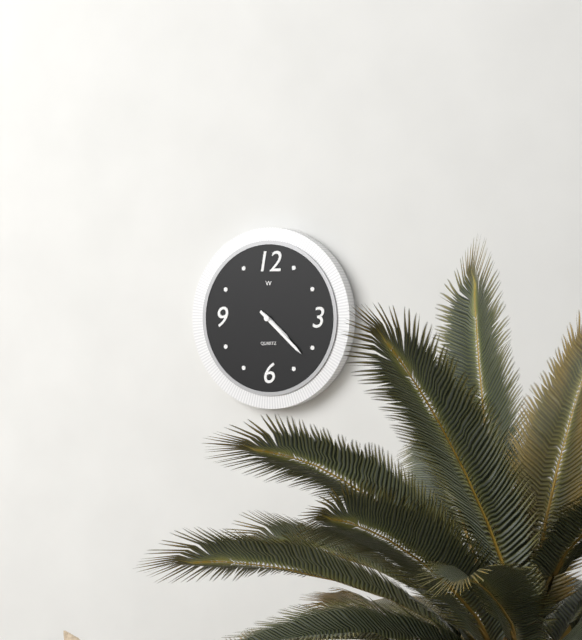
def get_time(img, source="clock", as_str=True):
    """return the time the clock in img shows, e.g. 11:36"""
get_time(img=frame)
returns 4:22
